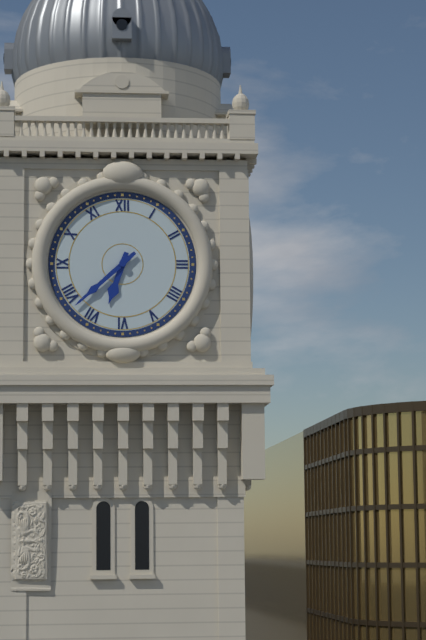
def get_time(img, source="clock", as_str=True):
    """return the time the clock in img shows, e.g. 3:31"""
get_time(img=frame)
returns 6:38
